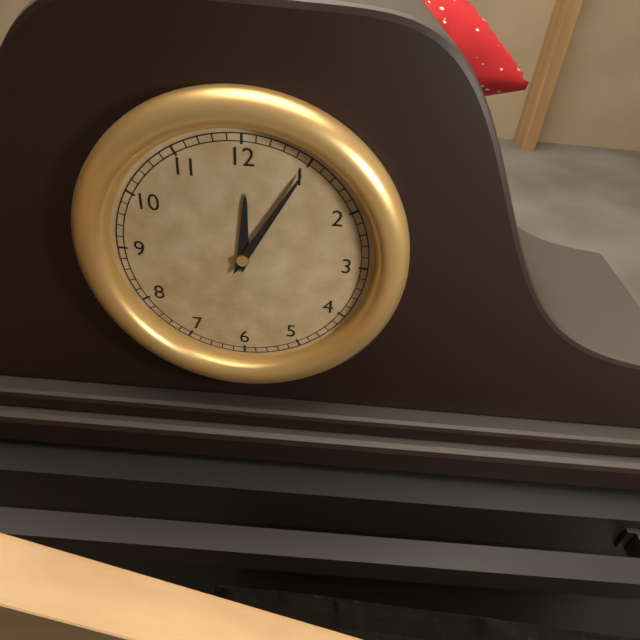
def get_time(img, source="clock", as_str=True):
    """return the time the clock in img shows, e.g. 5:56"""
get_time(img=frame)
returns 12:05
